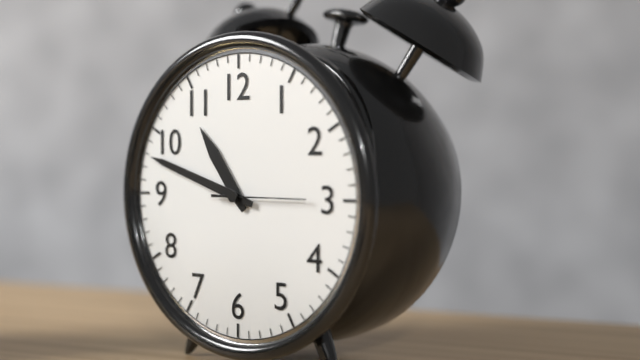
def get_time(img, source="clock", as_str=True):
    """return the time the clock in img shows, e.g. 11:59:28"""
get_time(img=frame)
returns 10:48:15
